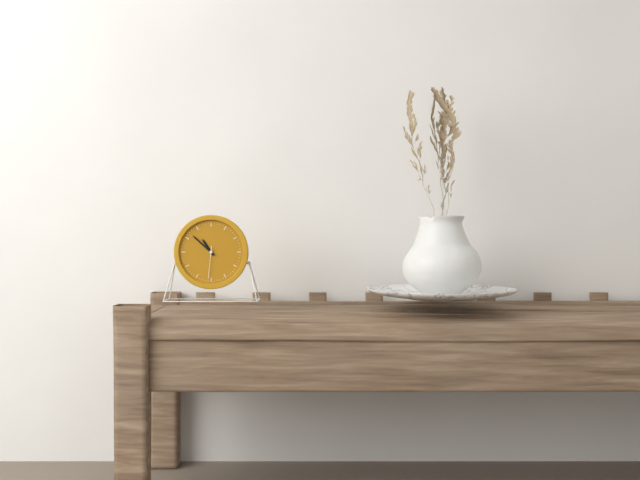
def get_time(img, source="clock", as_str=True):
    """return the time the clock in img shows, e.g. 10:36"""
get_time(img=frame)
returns 10:52
